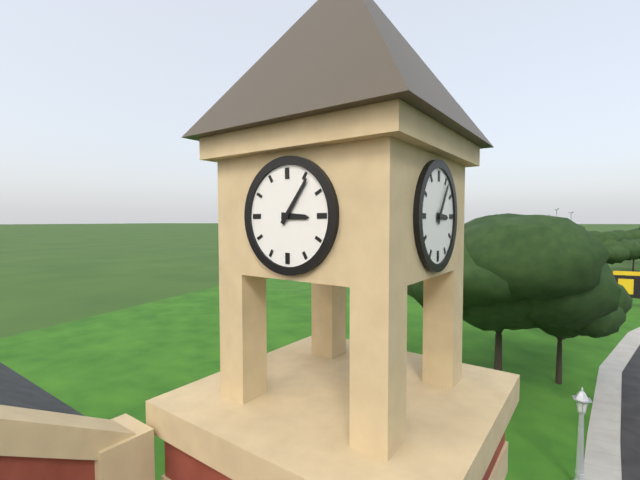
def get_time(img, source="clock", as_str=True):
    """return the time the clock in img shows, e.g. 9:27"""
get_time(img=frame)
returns 3:06
